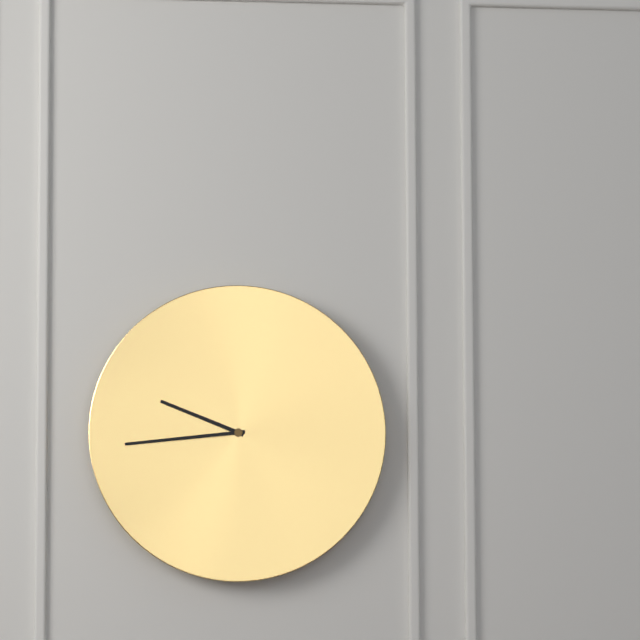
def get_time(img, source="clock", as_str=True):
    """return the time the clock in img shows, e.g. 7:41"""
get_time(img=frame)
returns 9:44
